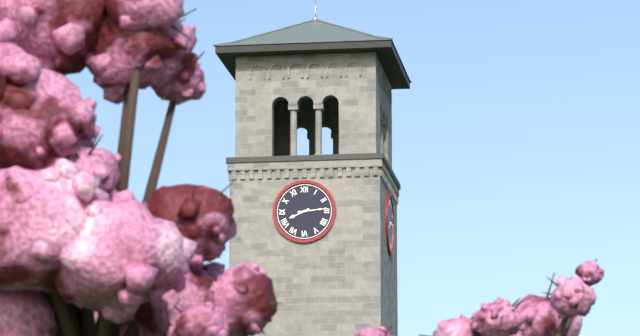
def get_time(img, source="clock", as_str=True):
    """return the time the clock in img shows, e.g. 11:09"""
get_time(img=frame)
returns 8:14
